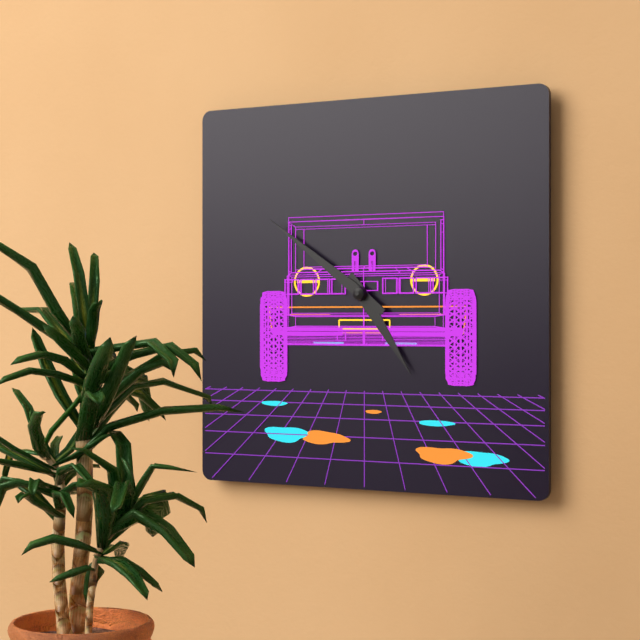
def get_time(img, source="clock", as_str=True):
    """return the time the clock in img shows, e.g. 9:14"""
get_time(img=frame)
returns 4:51
